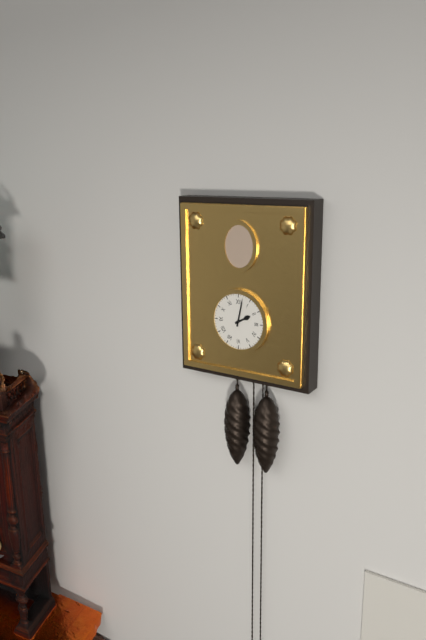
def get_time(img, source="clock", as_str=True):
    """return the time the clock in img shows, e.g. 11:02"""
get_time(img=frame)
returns 2:02
